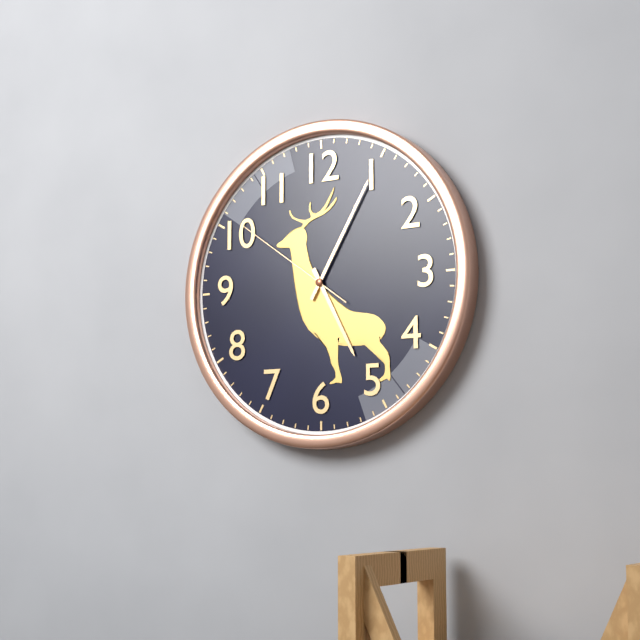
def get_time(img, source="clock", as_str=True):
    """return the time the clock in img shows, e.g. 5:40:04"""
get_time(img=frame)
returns 5:05:51
